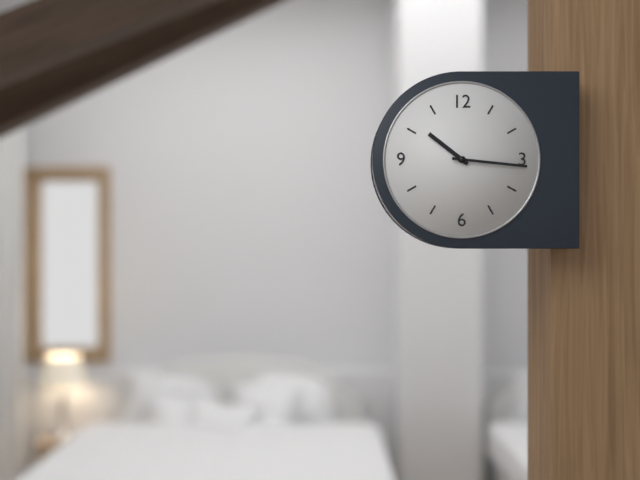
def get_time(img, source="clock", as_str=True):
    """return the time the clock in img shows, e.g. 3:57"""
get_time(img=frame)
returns 10:16
